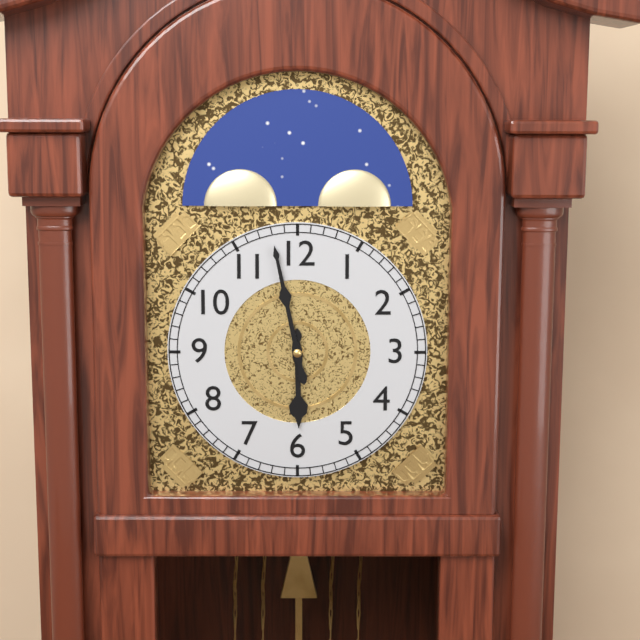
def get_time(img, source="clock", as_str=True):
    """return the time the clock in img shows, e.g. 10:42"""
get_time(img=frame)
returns 5:58
